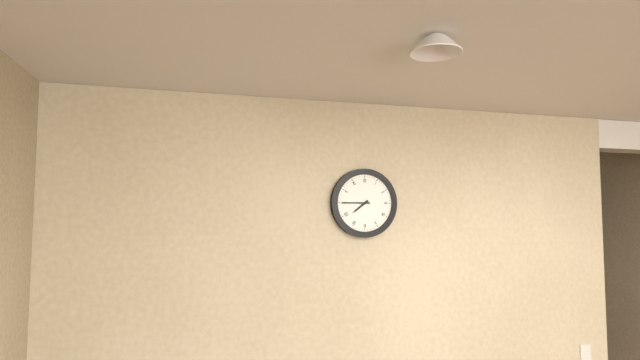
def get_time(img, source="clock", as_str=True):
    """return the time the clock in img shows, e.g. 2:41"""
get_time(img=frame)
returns 7:45
